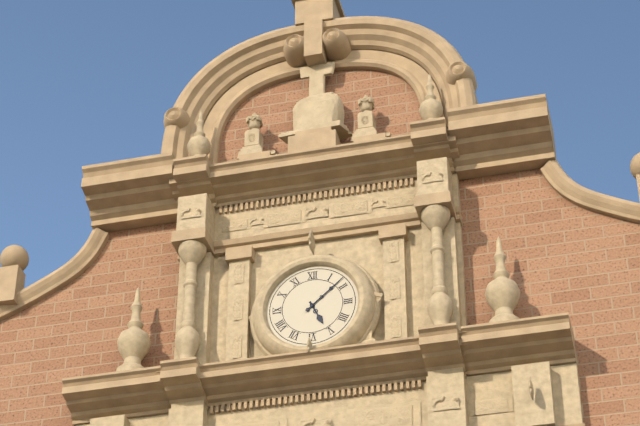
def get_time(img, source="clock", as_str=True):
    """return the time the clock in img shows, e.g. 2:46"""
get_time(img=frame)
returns 5:08
